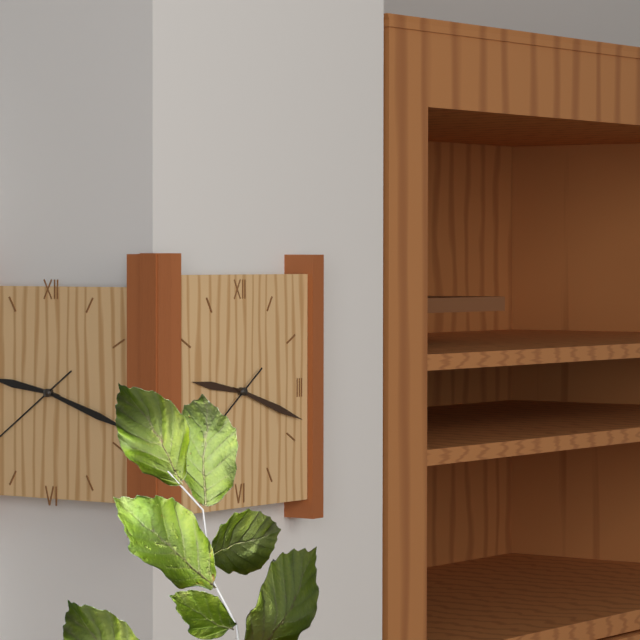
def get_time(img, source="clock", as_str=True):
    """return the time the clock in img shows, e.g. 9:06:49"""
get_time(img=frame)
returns 9:18:39
